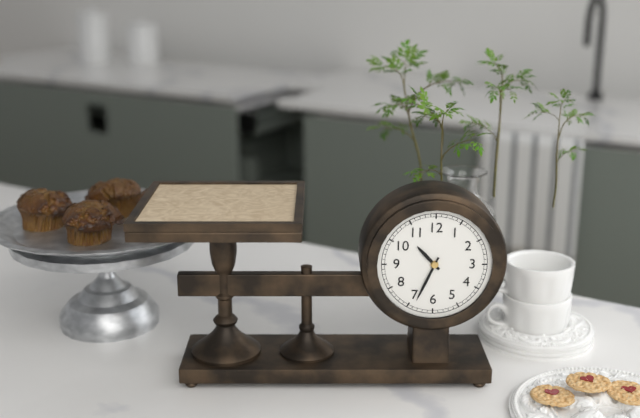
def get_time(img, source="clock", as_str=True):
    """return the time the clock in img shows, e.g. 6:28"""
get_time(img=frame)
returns 10:34
